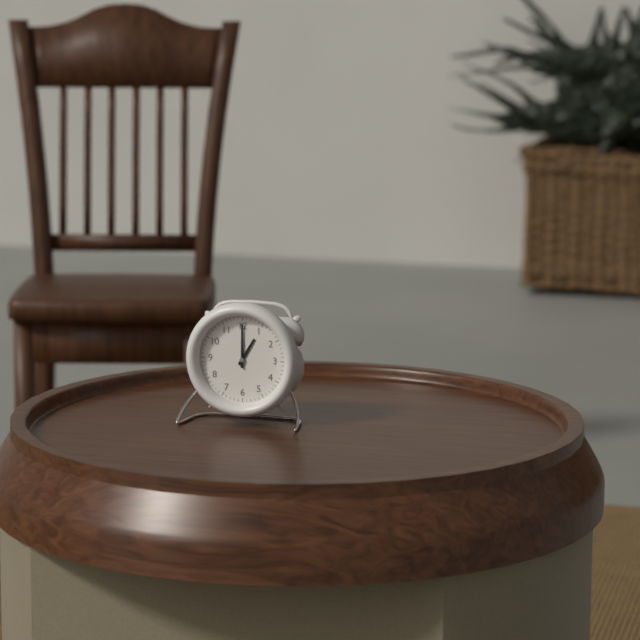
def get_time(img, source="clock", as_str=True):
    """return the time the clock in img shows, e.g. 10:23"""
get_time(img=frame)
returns 1:00
